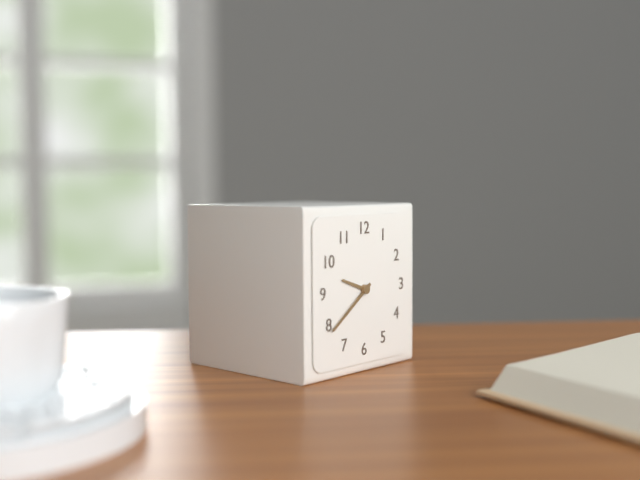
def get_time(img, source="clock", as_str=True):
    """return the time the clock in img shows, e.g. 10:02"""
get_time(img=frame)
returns 9:39
